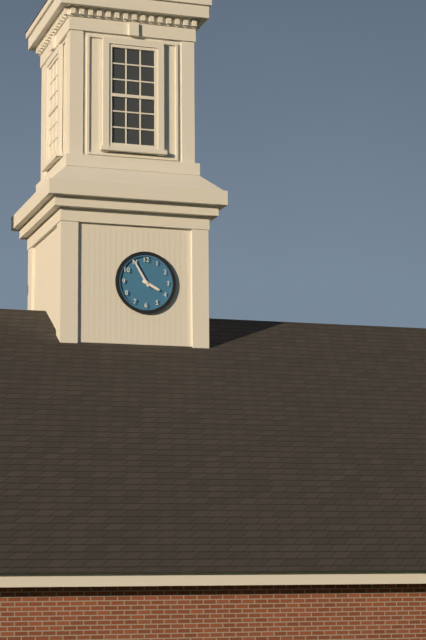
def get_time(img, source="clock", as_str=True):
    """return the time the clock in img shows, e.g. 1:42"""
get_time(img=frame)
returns 3:55
